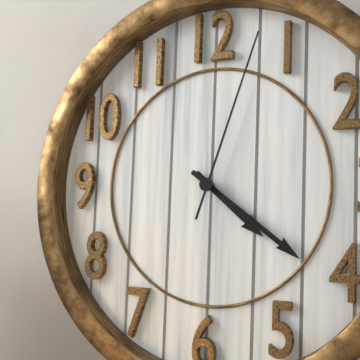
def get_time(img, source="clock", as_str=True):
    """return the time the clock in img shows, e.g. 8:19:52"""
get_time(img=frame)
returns 4:21:03
